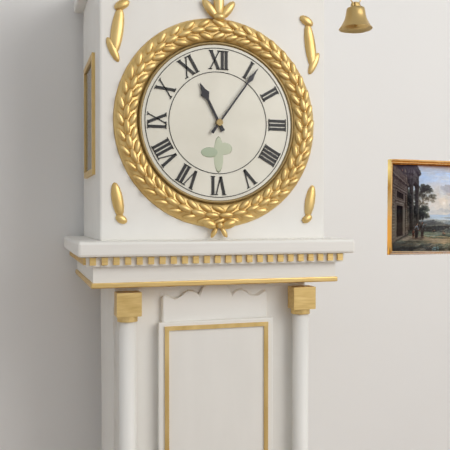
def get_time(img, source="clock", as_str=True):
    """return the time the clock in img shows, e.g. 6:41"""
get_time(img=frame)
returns 11:06
